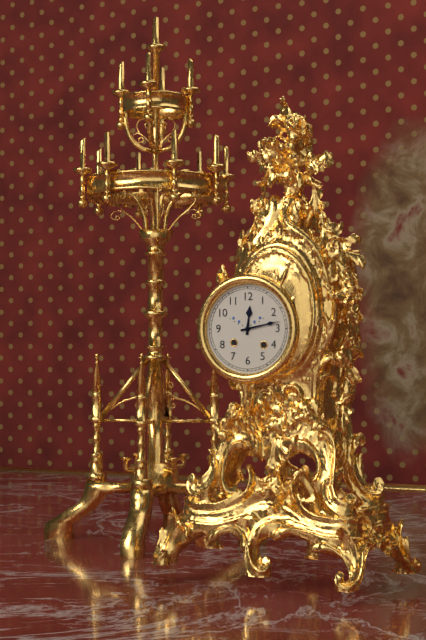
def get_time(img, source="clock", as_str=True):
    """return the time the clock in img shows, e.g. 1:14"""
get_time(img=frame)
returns 12:13
